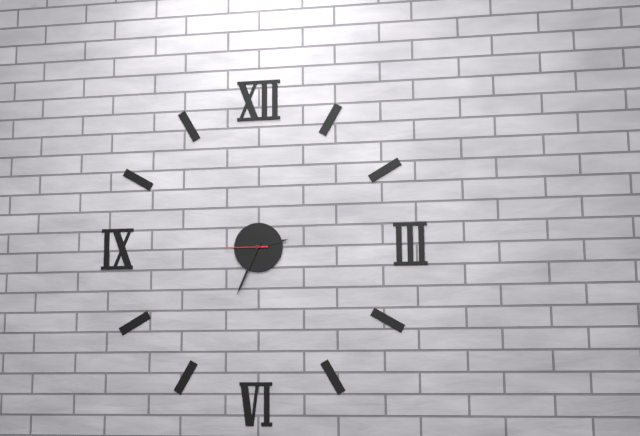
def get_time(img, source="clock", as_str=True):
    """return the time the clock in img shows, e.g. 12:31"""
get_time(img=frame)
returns 2:34
